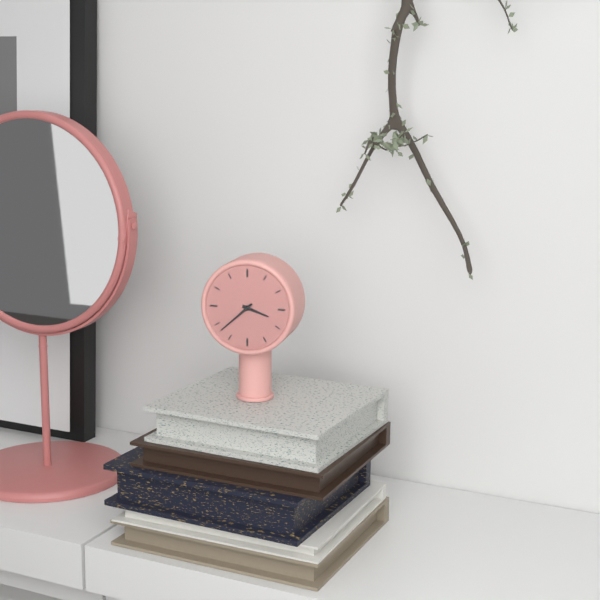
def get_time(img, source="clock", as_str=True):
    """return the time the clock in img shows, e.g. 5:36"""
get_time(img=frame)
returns 3:38
